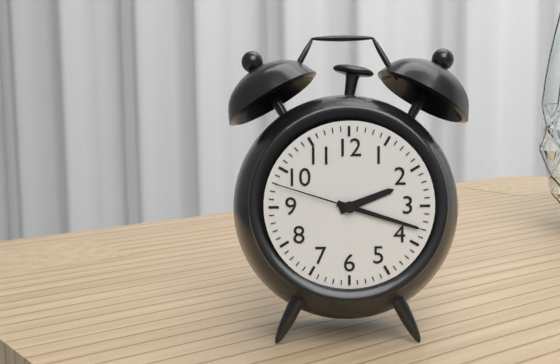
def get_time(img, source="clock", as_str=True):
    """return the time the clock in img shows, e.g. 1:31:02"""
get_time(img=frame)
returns 2:18:48
